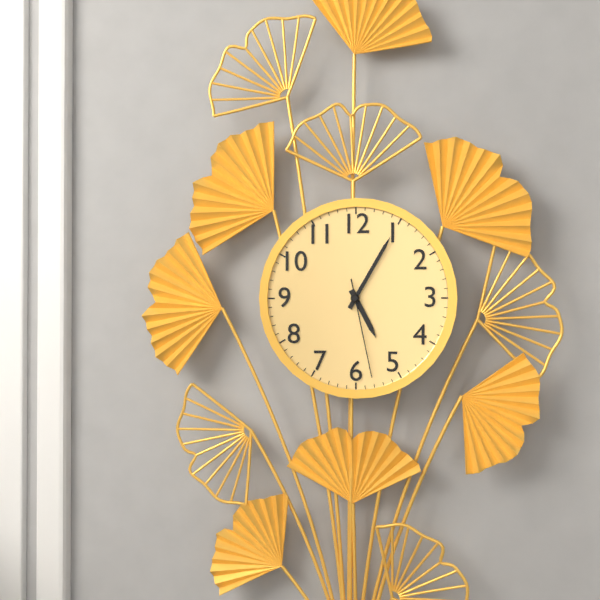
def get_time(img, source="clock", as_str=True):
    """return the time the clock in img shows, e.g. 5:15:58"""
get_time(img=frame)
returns 5:05:28
